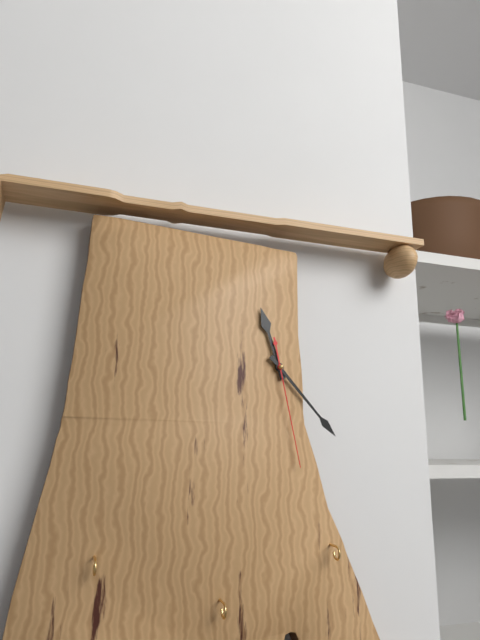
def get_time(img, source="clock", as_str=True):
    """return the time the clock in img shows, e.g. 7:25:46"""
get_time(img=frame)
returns 11:23:28
